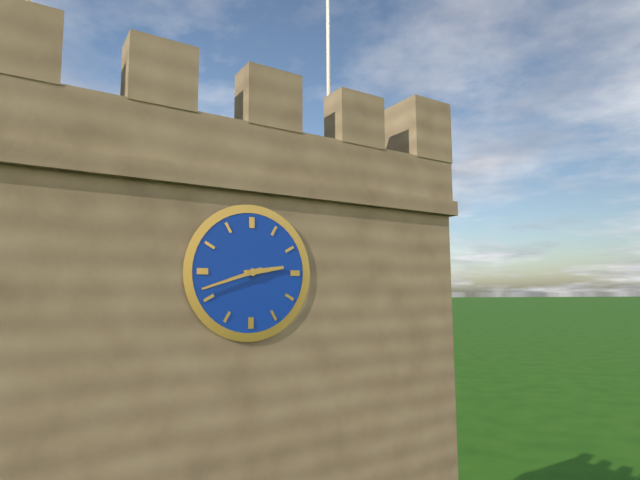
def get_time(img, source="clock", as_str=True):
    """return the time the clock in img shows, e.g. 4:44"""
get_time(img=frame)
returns 2:42
